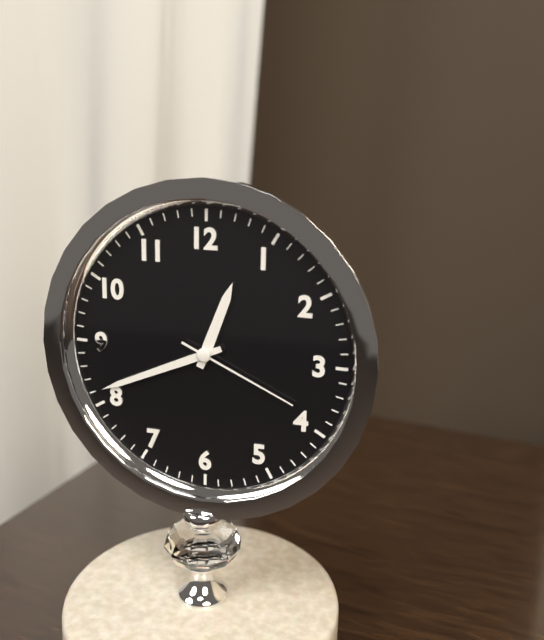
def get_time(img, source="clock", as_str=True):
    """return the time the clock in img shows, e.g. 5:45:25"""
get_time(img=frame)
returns 12:41:19
